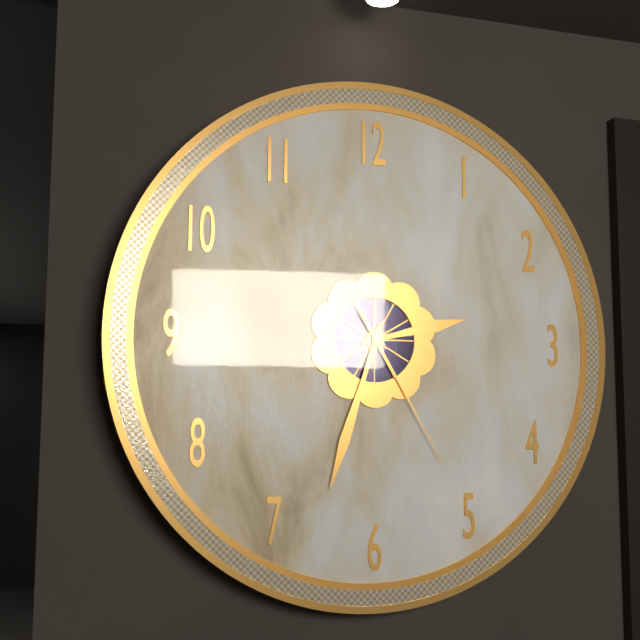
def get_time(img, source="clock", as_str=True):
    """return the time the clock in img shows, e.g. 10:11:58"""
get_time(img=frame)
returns 2:33:25
